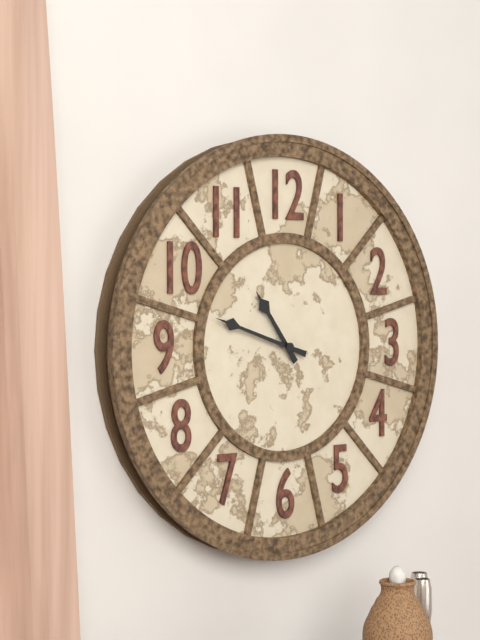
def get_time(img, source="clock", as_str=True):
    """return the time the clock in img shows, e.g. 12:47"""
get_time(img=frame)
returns 10:48
